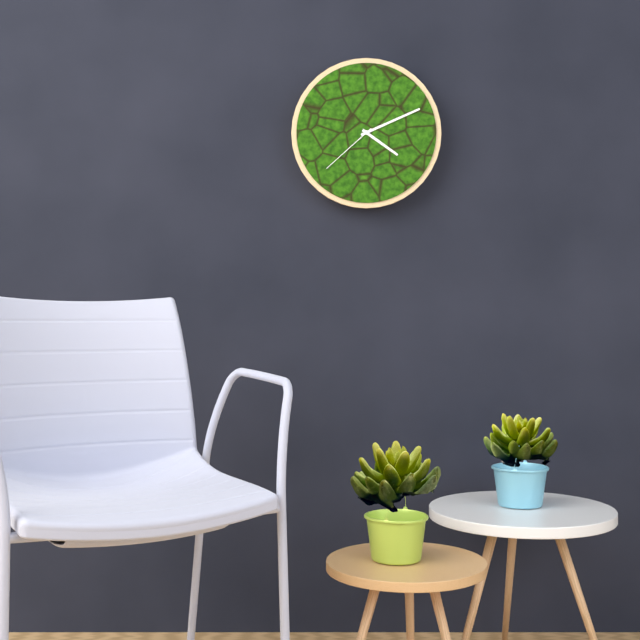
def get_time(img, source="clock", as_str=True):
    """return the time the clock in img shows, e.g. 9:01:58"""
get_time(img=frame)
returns 4:11:38
